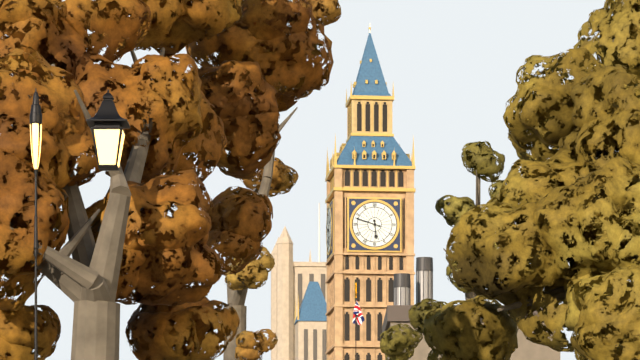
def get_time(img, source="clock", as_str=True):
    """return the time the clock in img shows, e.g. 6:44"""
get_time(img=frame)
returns 5:48
